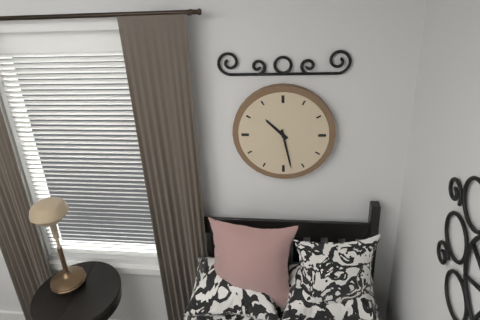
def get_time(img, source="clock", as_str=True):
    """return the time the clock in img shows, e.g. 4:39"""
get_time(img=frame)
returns 10:28
